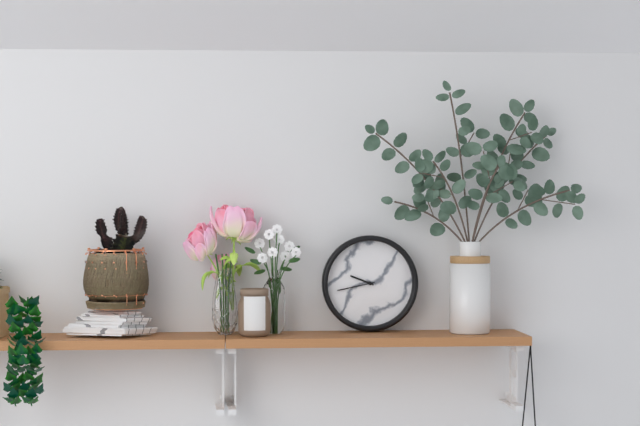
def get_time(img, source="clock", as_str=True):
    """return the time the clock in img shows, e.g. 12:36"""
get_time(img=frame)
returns 9:43
